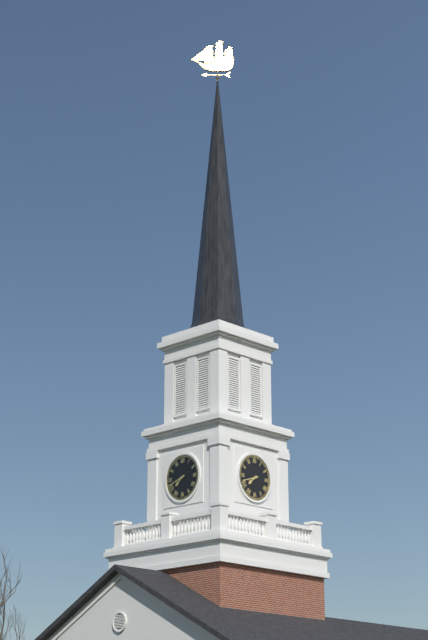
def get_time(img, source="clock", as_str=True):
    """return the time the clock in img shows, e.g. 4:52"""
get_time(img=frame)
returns 7:42
